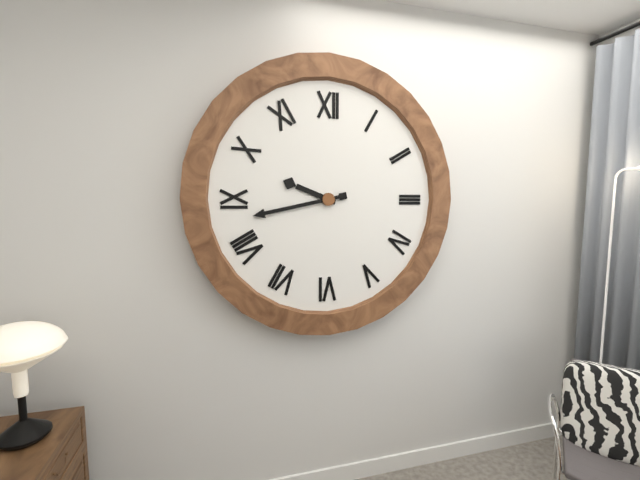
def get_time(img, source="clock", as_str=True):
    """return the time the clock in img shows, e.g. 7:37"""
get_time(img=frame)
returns 9:43
